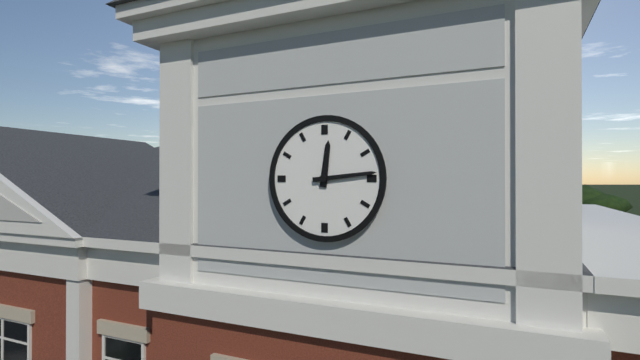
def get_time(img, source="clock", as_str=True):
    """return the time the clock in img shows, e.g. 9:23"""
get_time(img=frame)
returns 12:14
